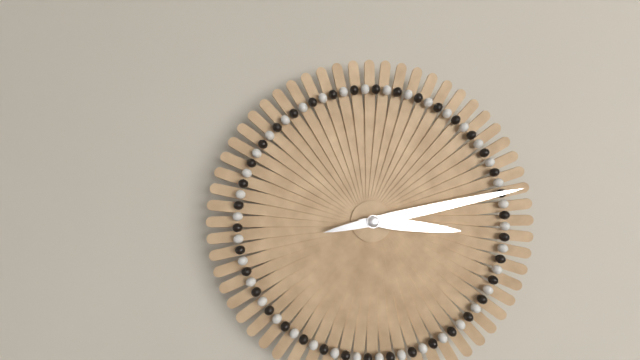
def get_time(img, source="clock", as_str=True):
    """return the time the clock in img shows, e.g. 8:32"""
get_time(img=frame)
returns 3:13
